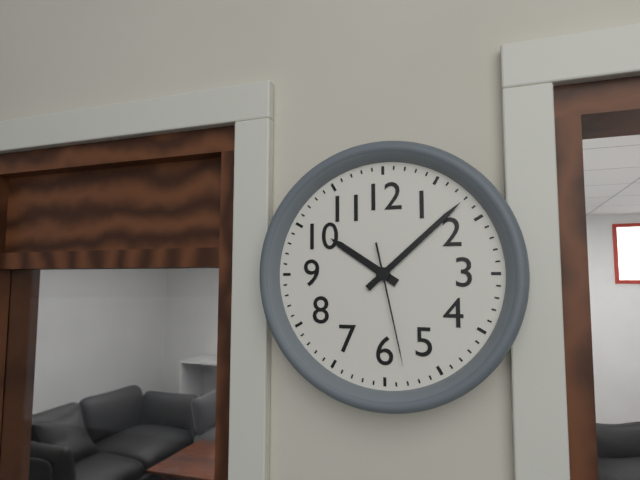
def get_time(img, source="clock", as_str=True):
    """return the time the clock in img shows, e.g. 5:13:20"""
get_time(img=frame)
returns 10:08:28
